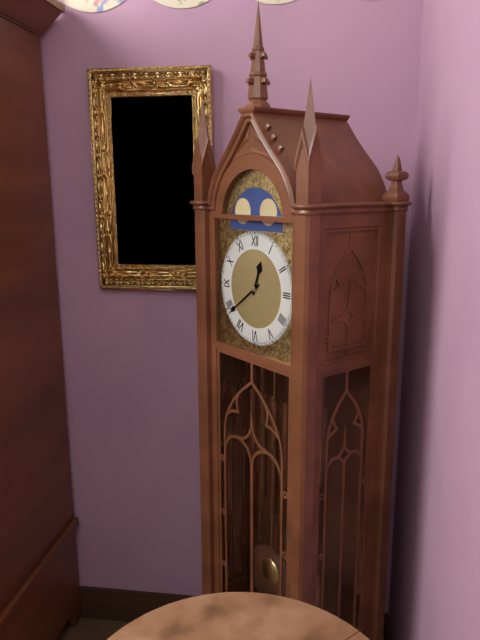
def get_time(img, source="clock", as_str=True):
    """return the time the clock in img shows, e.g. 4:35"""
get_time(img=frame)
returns 12:39
